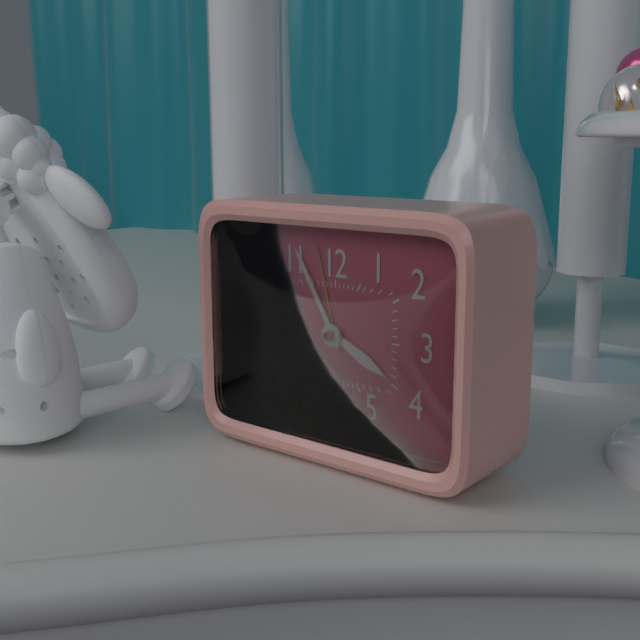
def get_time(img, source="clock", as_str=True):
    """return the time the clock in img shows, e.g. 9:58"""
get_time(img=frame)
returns 3:55
